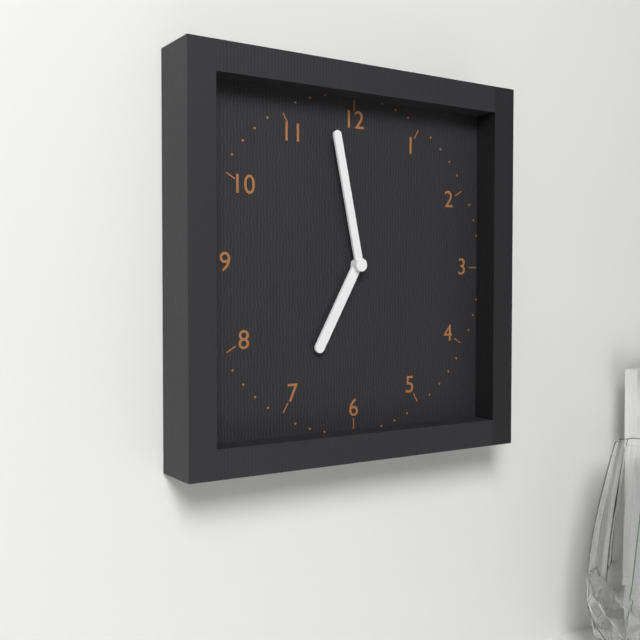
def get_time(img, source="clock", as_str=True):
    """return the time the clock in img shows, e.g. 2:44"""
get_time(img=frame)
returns 6:58
